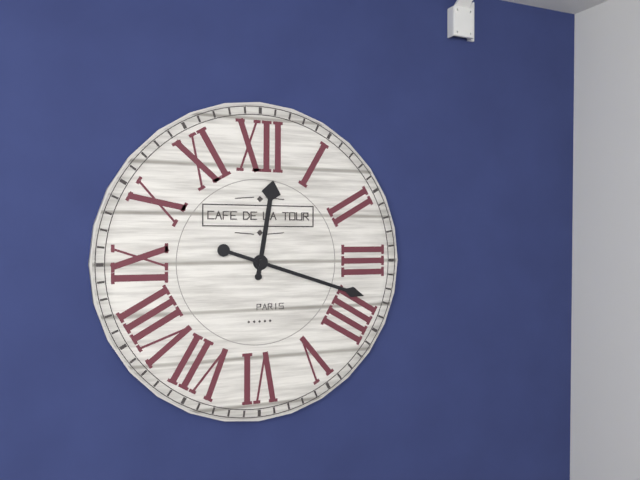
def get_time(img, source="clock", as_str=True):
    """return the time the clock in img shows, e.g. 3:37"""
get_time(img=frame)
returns 12:18
